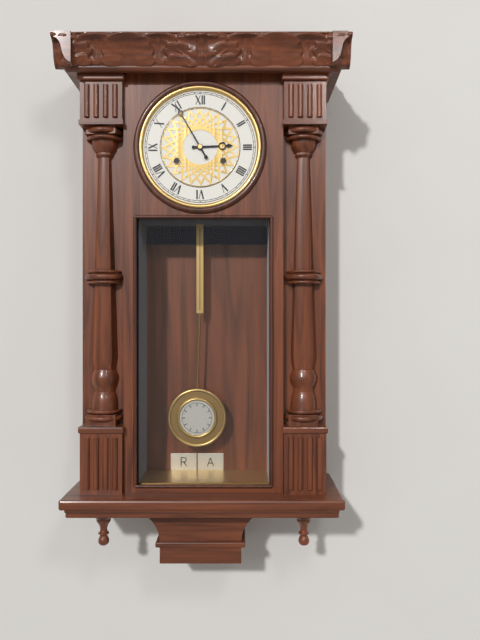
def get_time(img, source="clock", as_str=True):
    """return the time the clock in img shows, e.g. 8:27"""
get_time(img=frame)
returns 2:55
